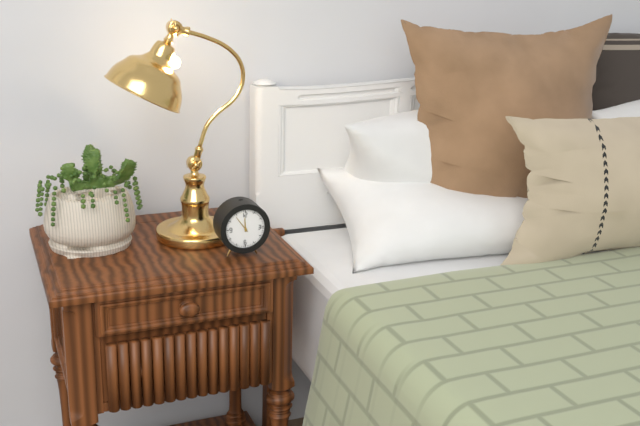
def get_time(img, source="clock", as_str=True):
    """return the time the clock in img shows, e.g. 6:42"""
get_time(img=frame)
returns 11:54
